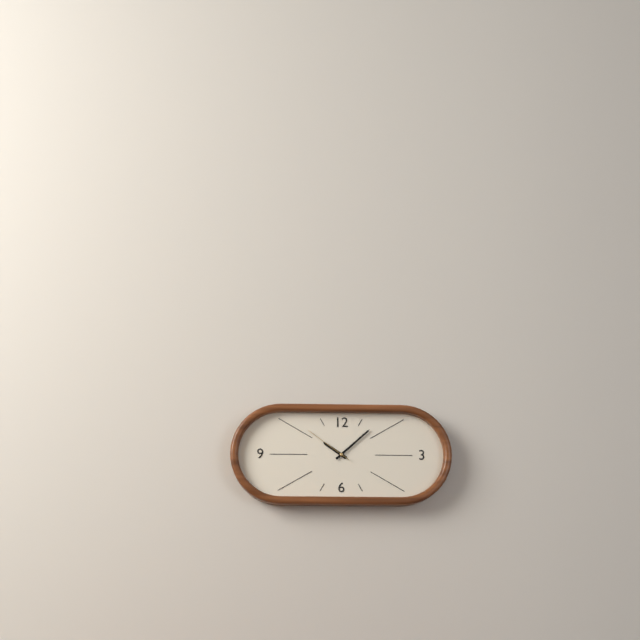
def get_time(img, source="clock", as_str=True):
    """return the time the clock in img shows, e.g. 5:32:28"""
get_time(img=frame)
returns 10:08:51
